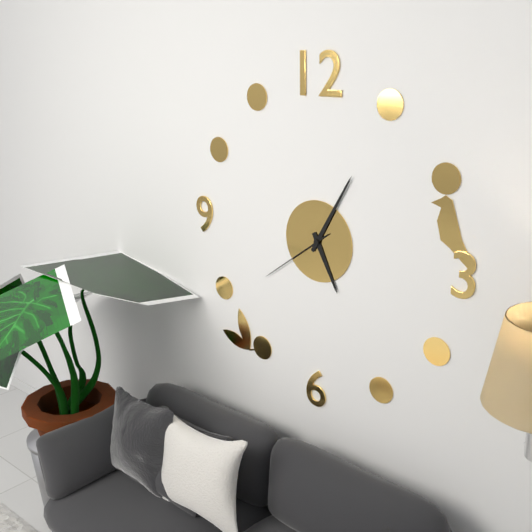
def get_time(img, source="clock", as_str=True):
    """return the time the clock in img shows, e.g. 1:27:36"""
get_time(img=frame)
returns 5:05:39
